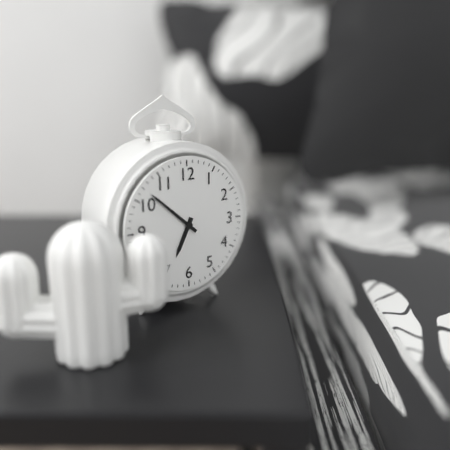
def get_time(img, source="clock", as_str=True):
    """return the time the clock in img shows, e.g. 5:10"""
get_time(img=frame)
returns 6:52
